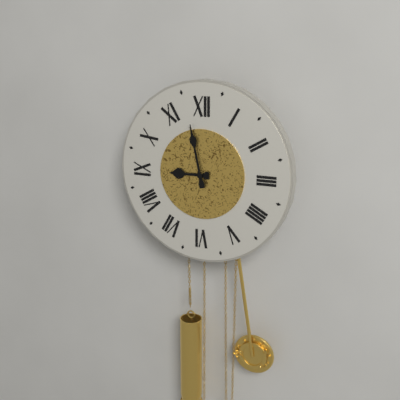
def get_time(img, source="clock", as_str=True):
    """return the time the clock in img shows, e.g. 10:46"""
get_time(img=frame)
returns 8:58
